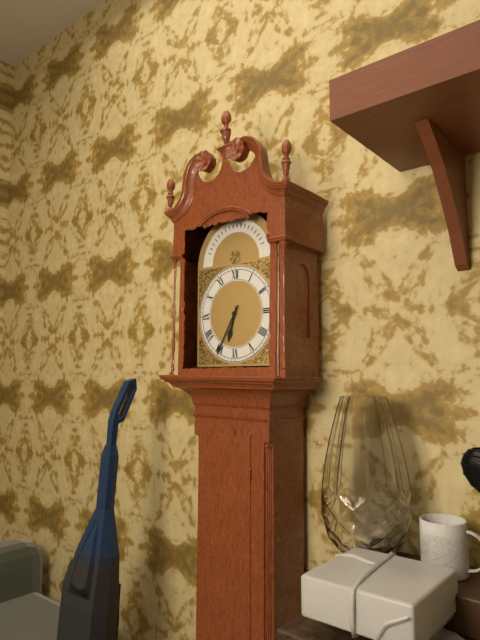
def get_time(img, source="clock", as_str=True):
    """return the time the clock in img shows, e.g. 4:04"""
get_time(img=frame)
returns 6:35
